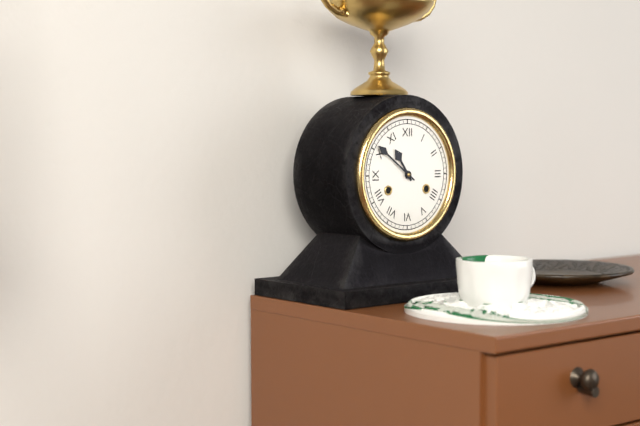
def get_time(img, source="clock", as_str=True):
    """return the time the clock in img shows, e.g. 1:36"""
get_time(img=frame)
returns 10:51
